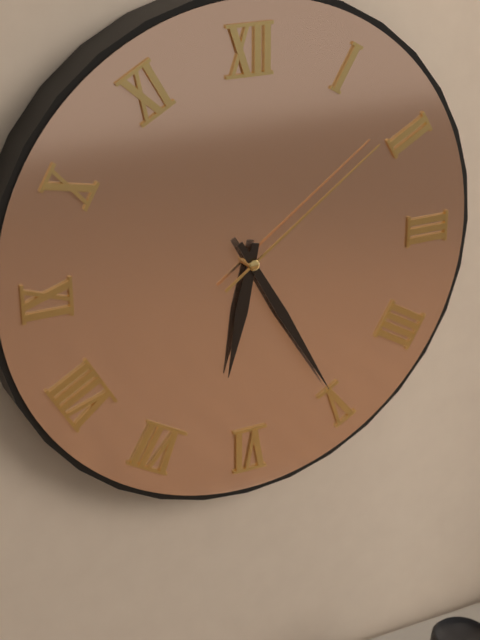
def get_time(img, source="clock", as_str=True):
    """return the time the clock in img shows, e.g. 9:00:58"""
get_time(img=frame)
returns 6:25:09
